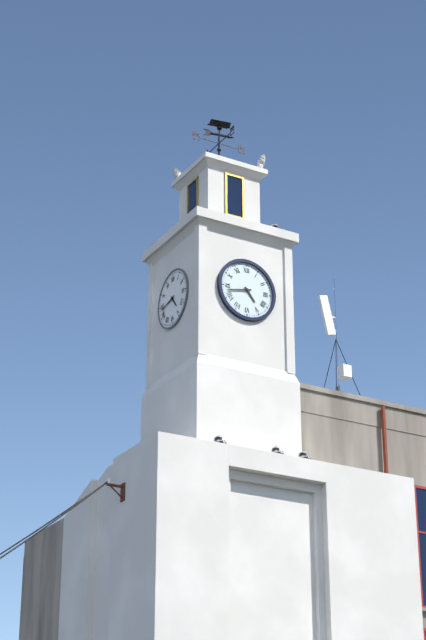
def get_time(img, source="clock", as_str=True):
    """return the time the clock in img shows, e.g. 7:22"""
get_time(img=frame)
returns 4:43
